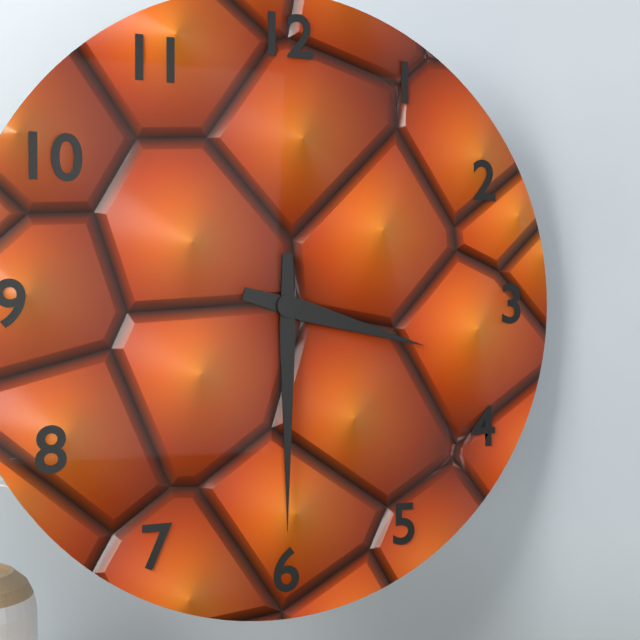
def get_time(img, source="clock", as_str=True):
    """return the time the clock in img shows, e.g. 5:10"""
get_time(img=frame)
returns 3:30
